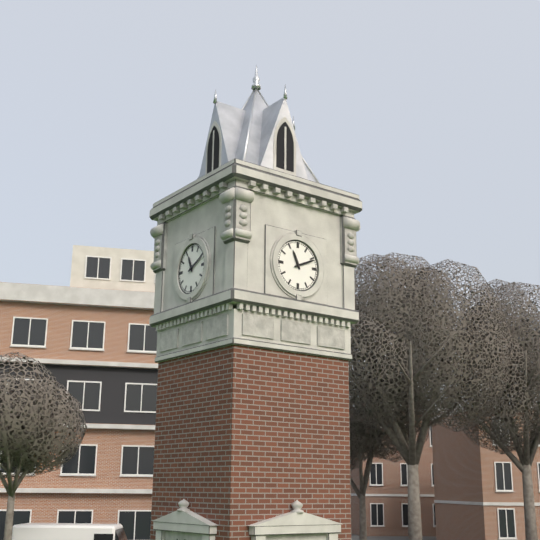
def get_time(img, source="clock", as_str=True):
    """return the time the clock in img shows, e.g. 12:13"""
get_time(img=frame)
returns 11:11
